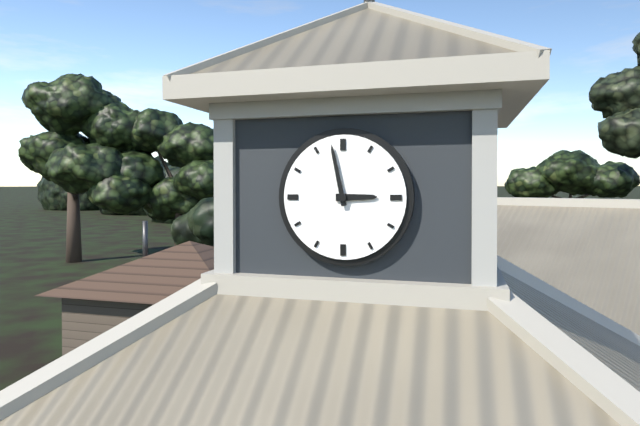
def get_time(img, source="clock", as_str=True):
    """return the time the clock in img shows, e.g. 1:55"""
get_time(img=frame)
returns 2:58
